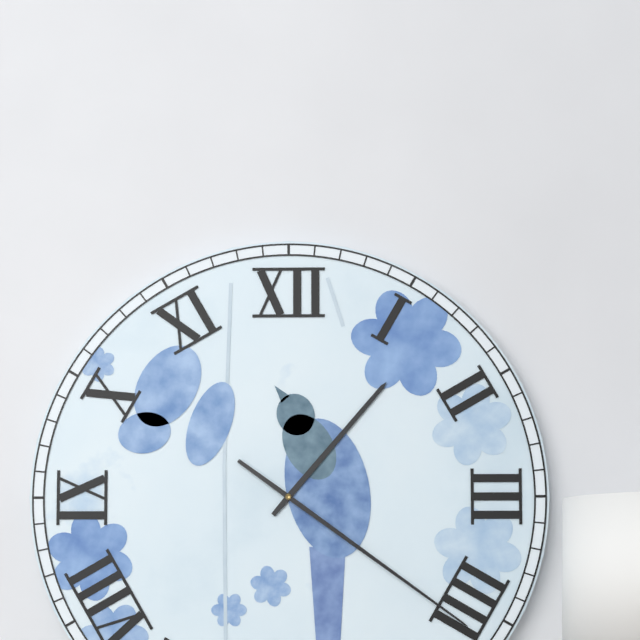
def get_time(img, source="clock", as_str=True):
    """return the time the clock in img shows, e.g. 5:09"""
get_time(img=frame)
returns 1:21
